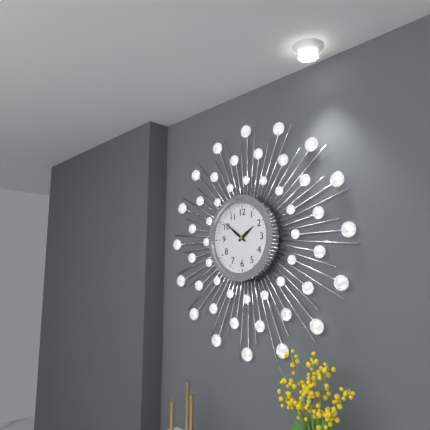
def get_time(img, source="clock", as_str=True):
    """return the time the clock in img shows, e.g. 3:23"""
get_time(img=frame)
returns 1:51
